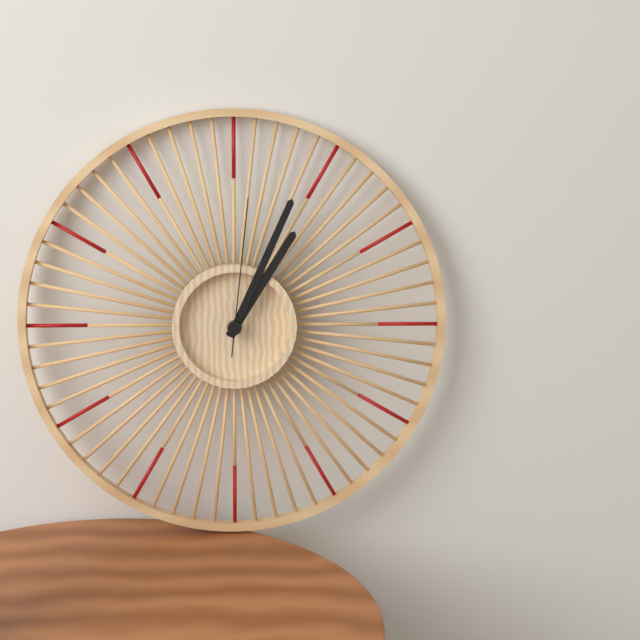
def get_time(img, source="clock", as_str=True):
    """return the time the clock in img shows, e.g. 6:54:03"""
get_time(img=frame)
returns 1:04:01
